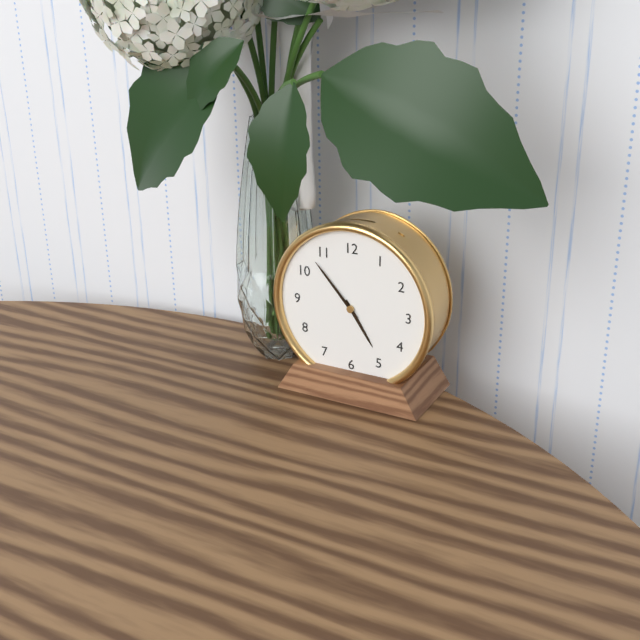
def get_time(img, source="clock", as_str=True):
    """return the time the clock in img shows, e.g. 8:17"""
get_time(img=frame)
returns 4:53
